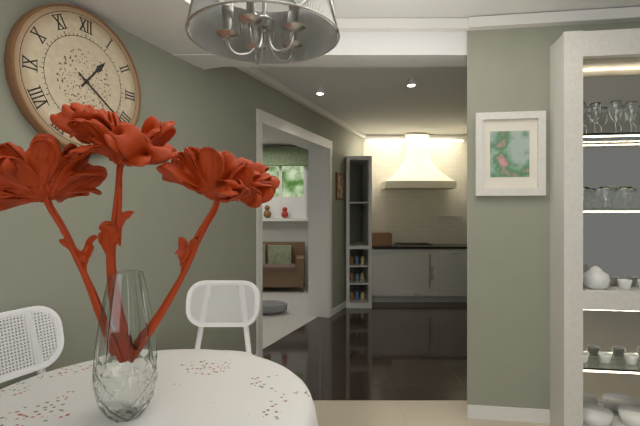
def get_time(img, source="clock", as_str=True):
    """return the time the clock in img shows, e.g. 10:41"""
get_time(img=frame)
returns 1:21
